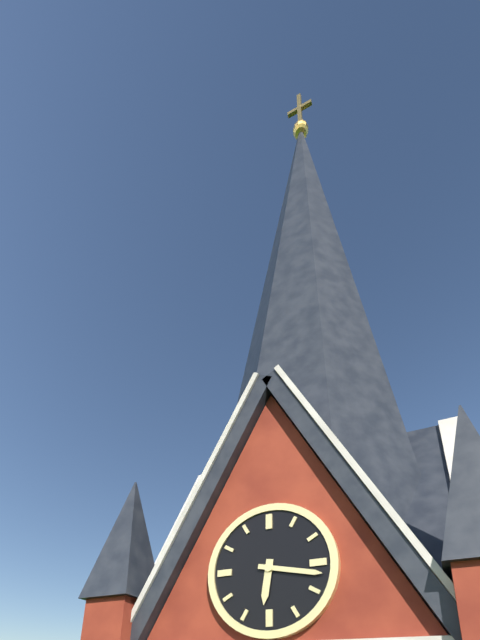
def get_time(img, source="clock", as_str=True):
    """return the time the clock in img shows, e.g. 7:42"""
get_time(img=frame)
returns 6:17
